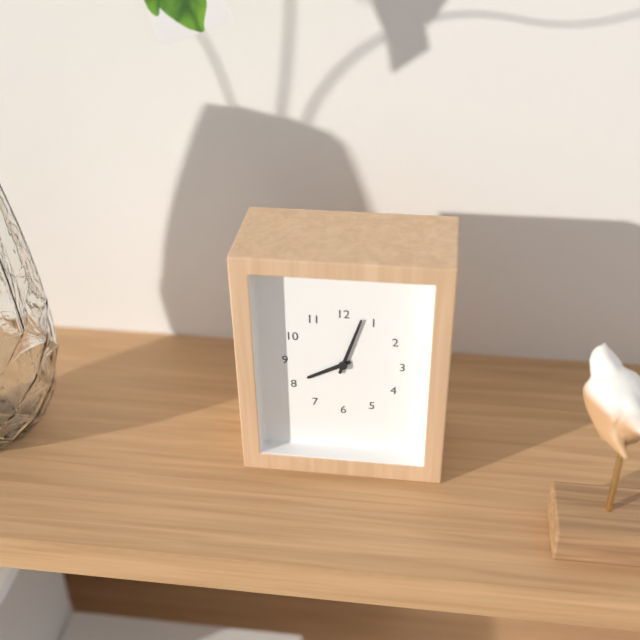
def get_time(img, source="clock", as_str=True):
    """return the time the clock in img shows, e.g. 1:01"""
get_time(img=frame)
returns 8:03
